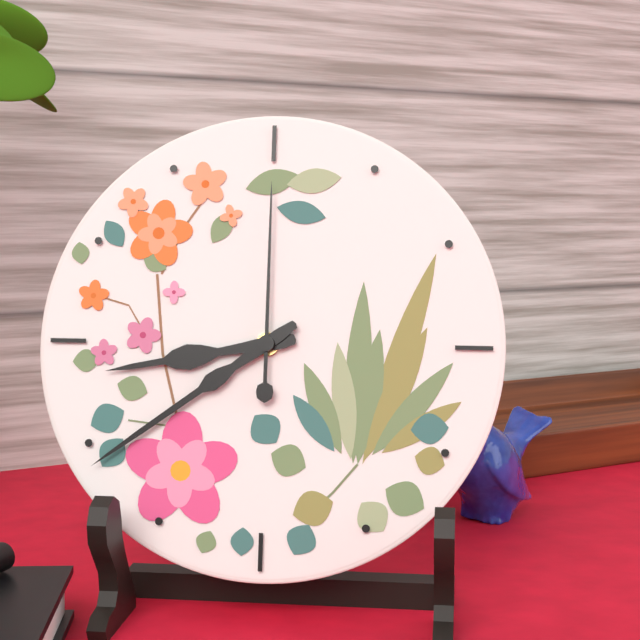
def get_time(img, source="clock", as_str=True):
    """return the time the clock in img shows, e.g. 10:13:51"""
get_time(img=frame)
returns 8:39:00
